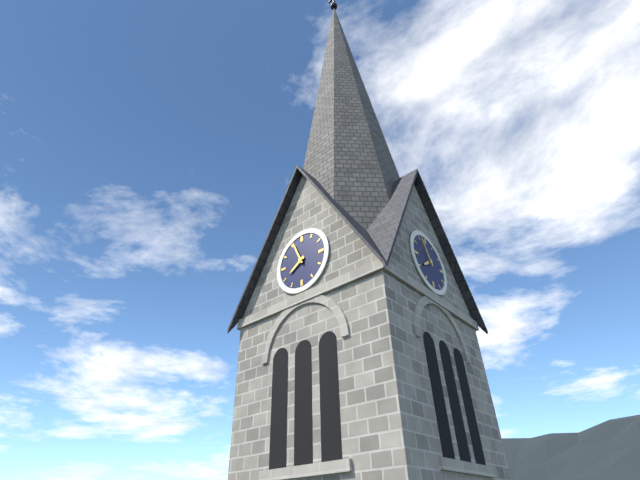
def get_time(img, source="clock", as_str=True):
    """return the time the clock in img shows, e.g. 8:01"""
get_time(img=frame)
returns 7:56
